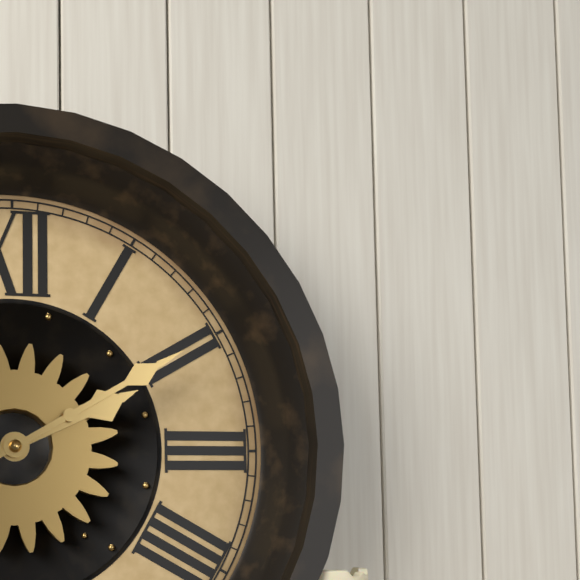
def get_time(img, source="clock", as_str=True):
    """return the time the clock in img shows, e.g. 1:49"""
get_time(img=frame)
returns 2:10
